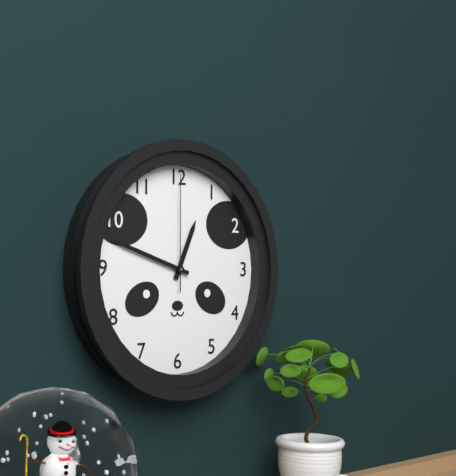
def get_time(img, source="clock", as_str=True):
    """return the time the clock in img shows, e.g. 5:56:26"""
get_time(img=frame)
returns 12:48:00
